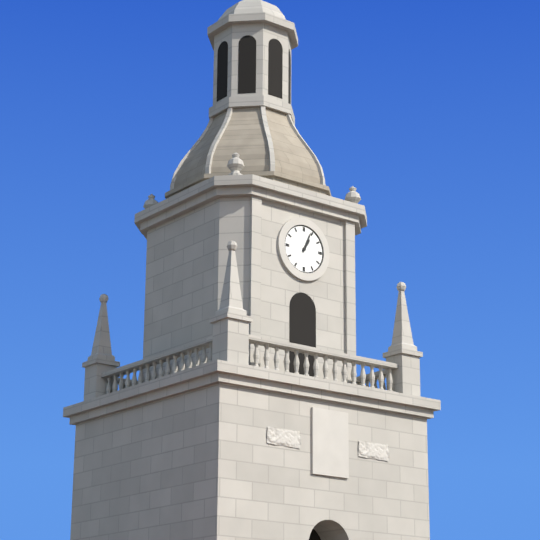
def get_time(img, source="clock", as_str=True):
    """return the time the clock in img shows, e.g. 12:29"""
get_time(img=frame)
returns 1:04
